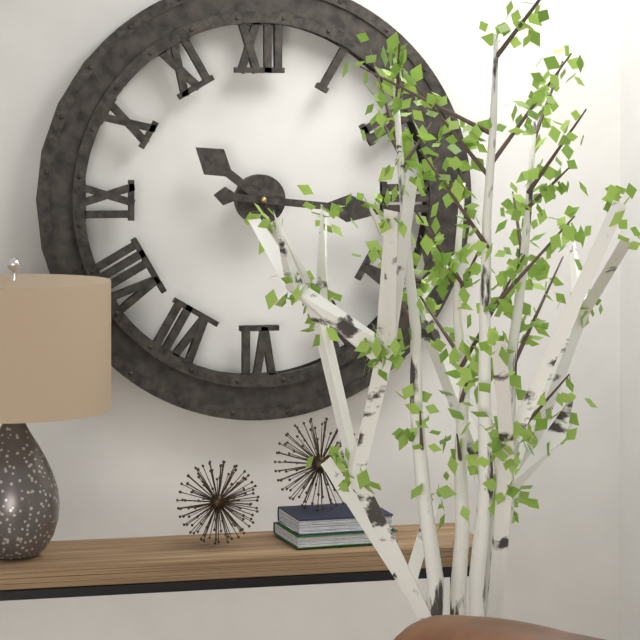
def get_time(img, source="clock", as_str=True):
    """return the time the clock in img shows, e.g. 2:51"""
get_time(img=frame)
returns 10:16
